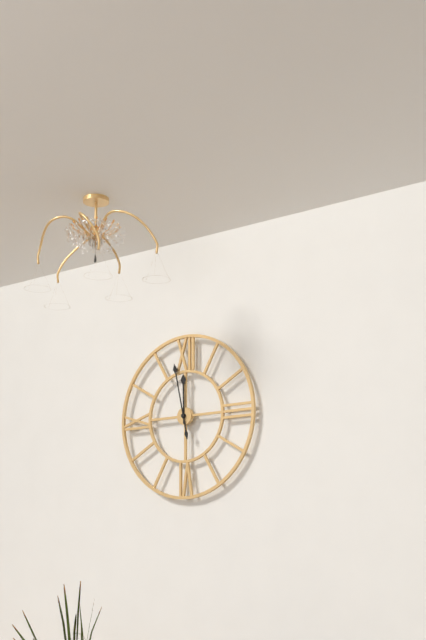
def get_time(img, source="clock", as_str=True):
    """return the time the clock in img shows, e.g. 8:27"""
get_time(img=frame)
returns 11:58
